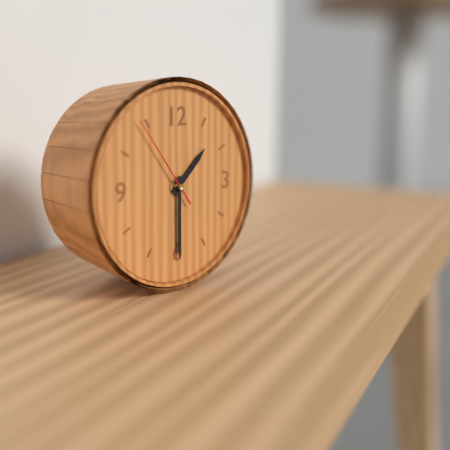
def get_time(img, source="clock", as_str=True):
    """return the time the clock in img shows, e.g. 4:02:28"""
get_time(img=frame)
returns 1:30:54
